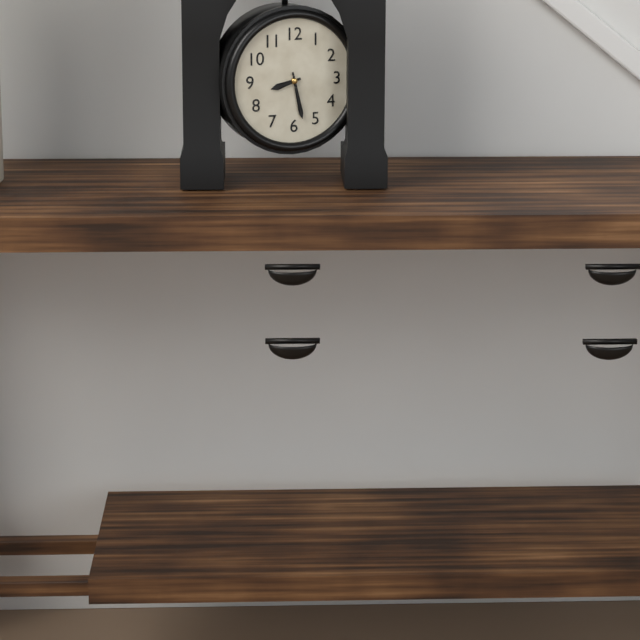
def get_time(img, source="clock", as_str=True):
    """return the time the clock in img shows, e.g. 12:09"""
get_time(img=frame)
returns 8:28
